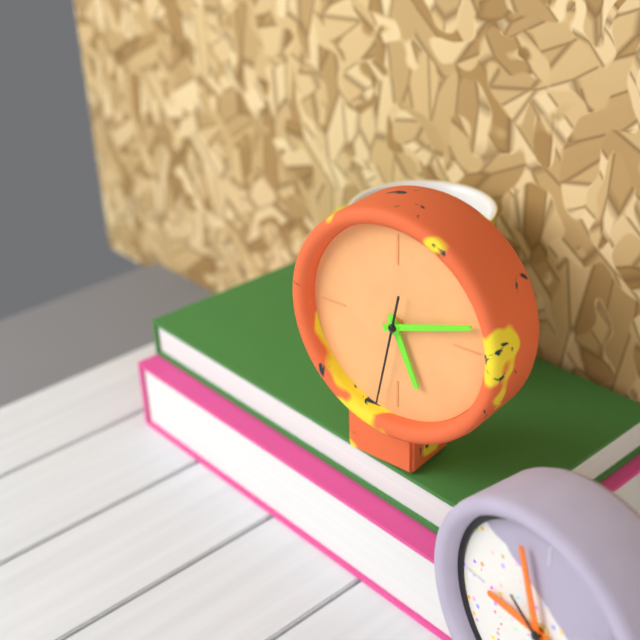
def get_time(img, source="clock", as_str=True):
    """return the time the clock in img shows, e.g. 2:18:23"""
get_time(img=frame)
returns 5:12:32
